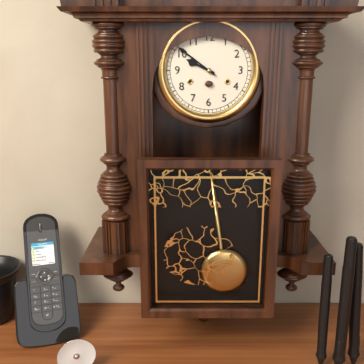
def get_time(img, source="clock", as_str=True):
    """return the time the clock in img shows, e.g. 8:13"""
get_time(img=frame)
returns 9:51
